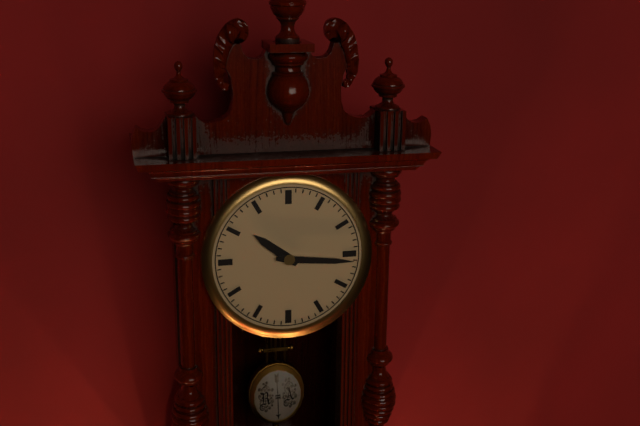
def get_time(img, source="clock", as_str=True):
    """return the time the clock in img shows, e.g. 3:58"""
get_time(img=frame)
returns 10:16
